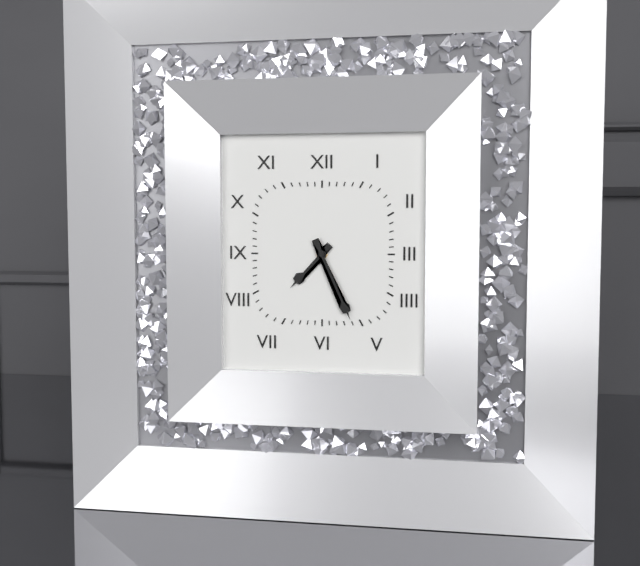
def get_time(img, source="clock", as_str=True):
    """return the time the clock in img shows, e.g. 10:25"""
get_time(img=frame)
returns 7:26
